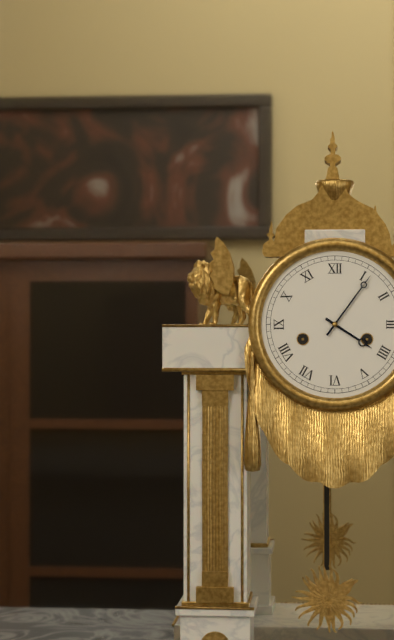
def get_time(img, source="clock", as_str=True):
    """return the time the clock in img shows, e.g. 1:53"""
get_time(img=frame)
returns 4:06
